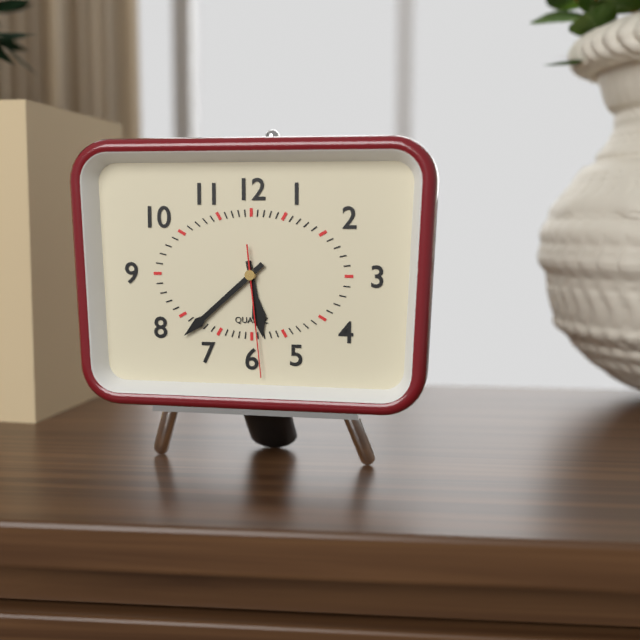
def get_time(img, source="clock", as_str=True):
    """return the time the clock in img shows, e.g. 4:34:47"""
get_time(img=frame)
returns 5:38:29
